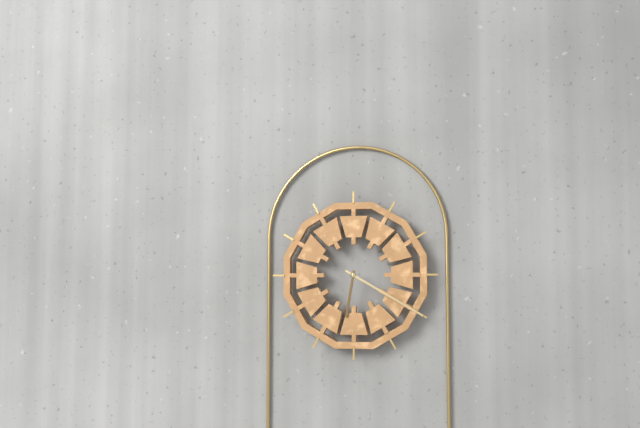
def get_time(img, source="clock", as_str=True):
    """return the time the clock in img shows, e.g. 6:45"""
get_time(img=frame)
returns 6:20
